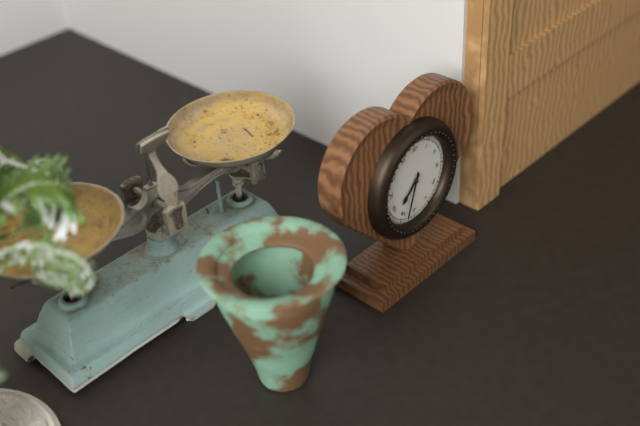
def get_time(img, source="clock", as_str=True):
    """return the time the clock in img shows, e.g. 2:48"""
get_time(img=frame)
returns 7:33
